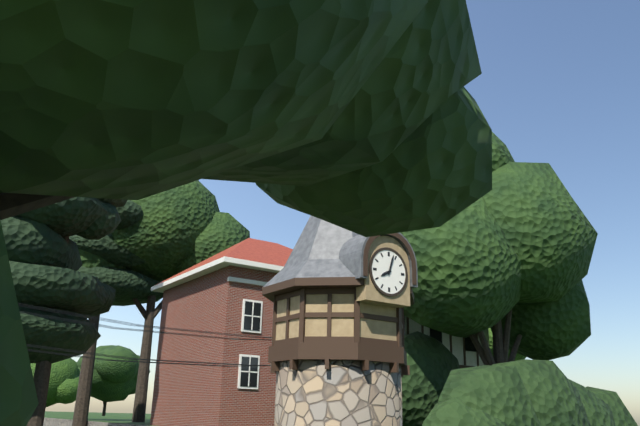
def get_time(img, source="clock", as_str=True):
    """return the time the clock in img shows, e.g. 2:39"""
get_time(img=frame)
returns 8:03
